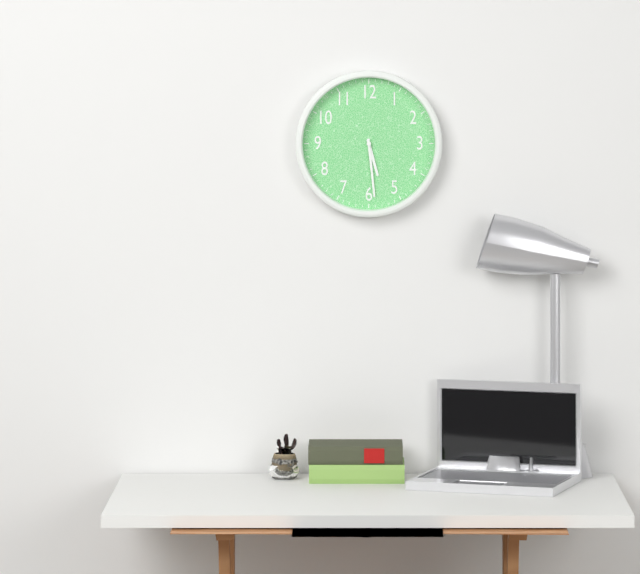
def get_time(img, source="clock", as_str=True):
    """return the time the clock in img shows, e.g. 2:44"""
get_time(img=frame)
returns 5:29
